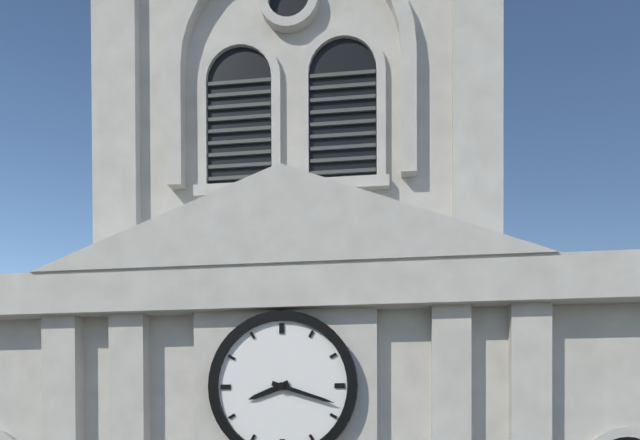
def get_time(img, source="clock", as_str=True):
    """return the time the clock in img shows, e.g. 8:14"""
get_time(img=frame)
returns 8:18
